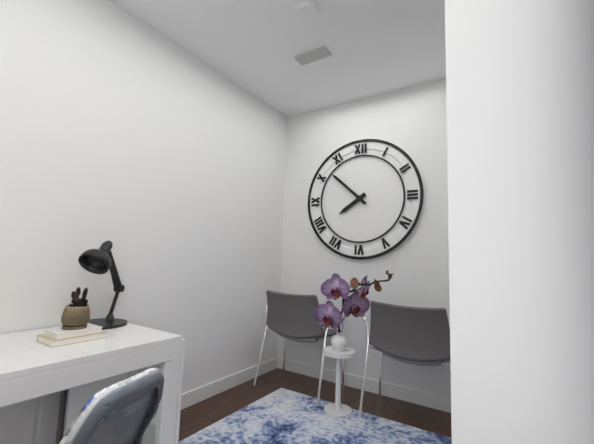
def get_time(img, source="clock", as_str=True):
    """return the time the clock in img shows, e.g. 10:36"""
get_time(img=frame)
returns 7:52
